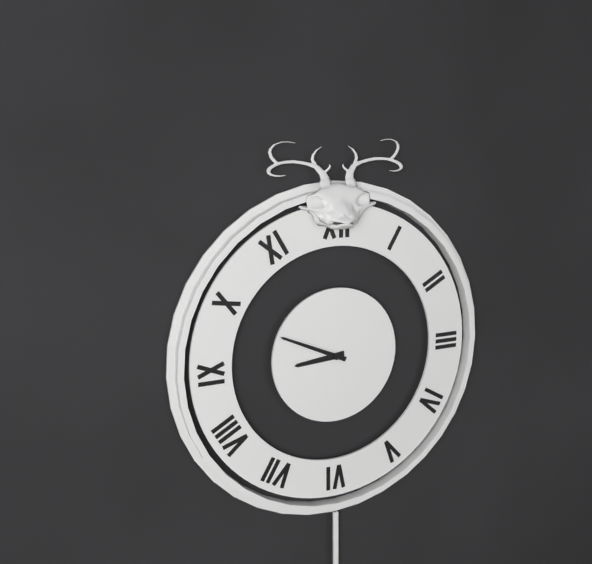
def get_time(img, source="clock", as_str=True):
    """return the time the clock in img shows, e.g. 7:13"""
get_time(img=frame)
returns 8:49
